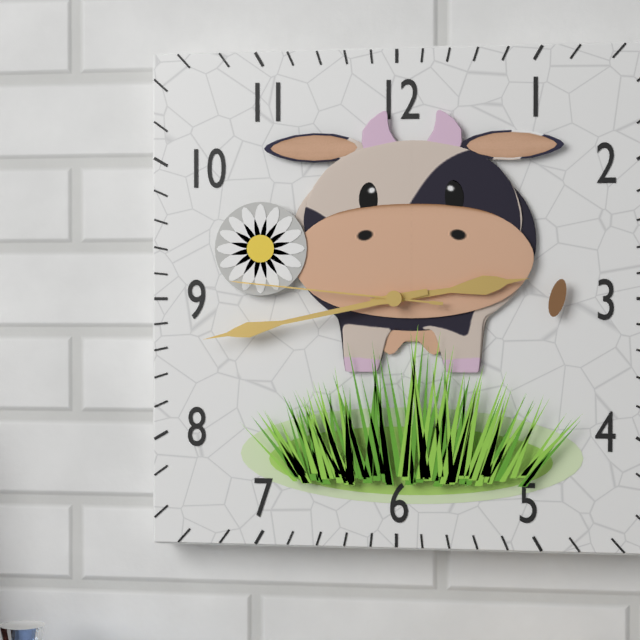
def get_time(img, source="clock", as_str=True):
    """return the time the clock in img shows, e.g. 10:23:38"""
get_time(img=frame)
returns 2:43:46
